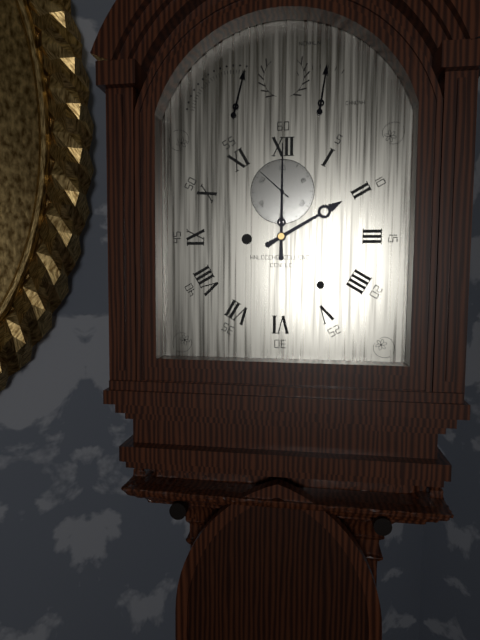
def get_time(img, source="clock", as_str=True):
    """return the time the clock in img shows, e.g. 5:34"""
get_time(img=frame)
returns 2:00
